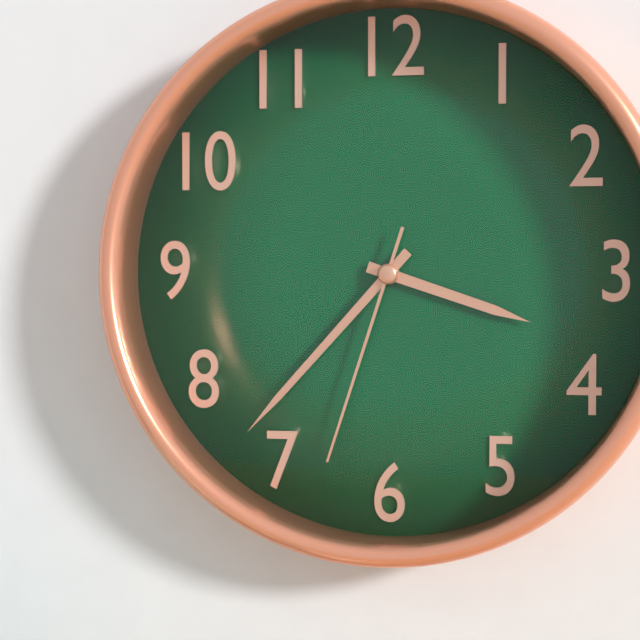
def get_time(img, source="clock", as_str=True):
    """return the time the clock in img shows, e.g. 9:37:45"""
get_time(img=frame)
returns 3:37:33
